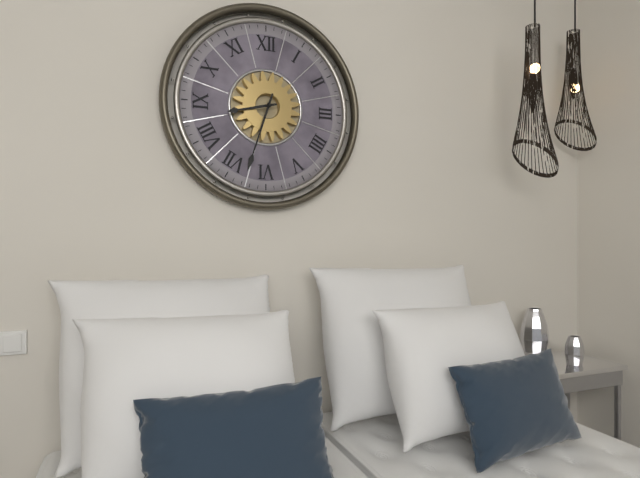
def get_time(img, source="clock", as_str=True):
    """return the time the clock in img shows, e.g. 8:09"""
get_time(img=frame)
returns 8:33
